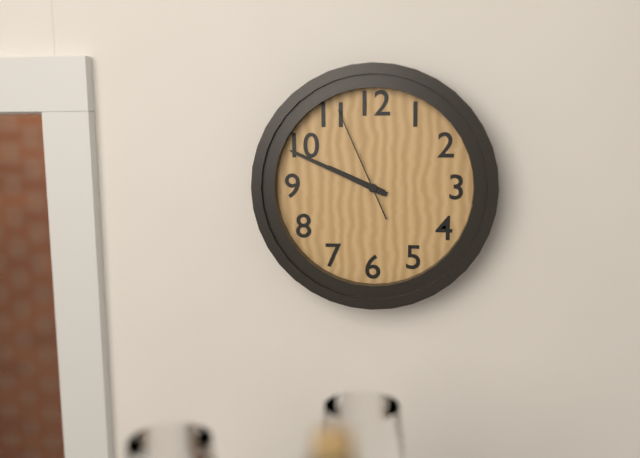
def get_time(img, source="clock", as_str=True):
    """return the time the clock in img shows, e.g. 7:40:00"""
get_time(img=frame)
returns 9:49:56
